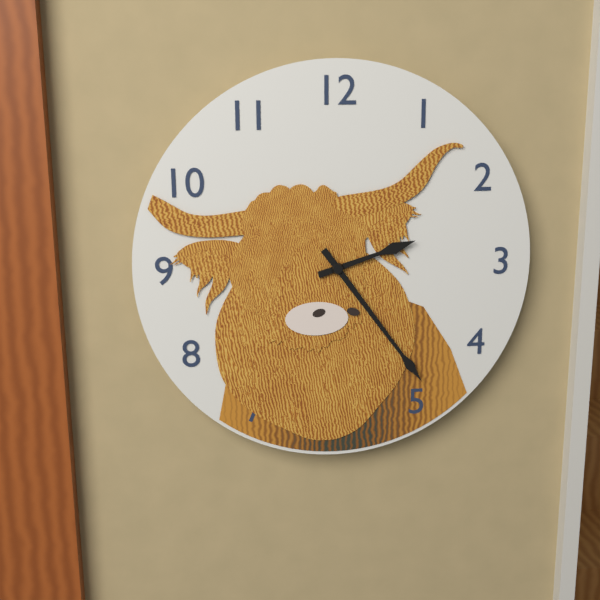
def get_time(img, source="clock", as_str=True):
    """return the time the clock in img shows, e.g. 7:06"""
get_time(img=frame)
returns 2:24
